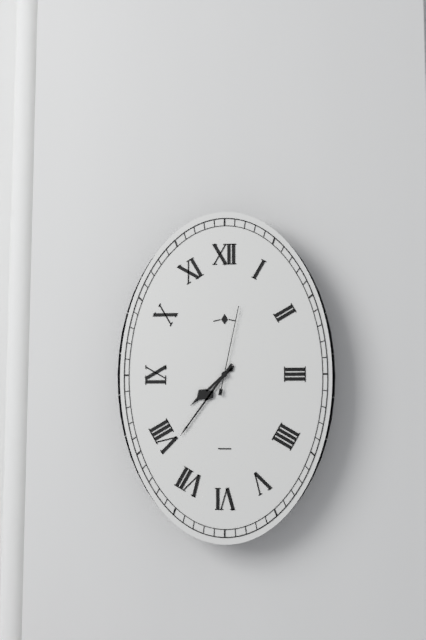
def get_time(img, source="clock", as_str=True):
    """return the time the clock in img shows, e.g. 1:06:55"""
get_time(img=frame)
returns 7:36:02
